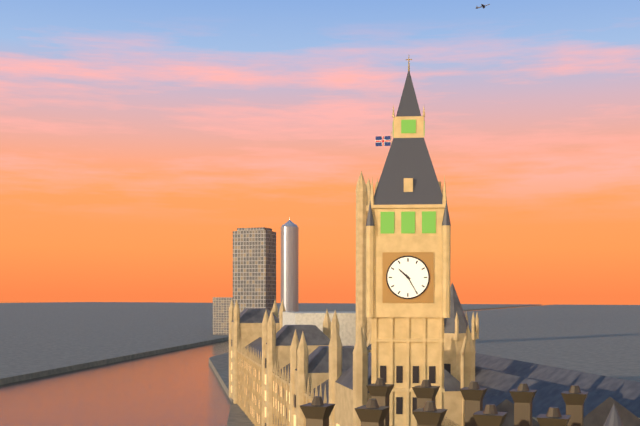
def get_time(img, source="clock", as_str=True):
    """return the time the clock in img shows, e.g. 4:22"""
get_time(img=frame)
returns 10:25
